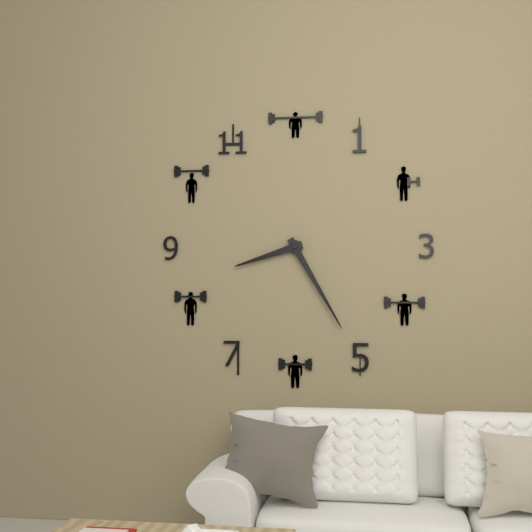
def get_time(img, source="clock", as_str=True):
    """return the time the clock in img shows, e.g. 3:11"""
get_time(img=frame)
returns 8:25
